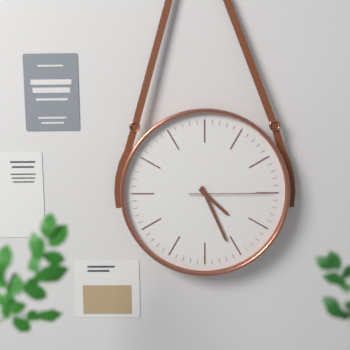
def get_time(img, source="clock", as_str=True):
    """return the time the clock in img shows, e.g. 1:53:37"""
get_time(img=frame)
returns 4:26:15
